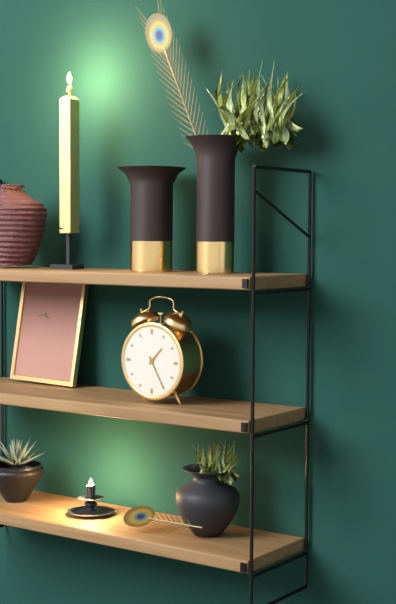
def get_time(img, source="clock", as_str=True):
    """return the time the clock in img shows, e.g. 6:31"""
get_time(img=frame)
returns 1:25
